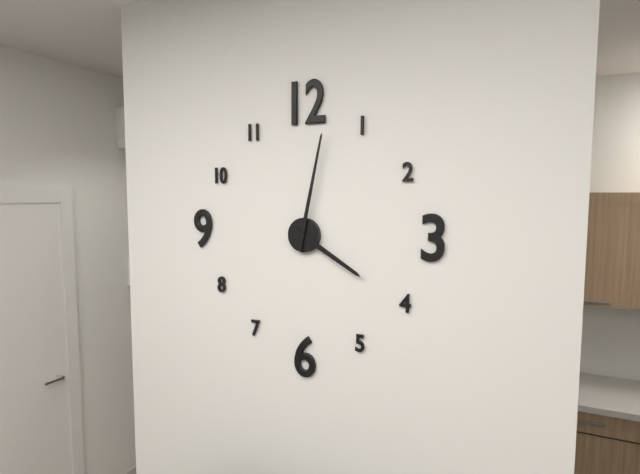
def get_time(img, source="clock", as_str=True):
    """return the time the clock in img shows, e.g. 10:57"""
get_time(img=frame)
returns 4:02
